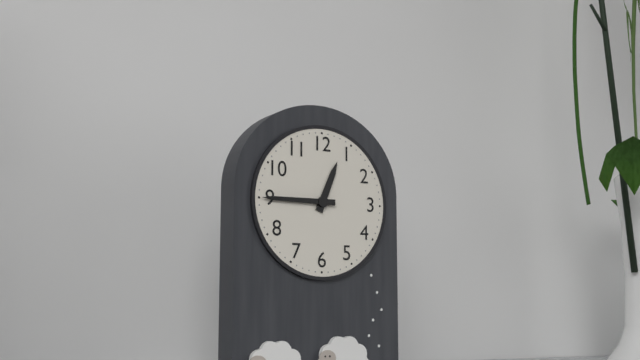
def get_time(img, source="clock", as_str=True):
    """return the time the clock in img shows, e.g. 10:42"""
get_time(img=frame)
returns 12:45
